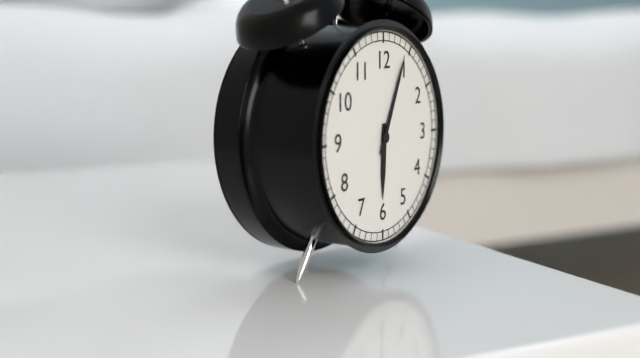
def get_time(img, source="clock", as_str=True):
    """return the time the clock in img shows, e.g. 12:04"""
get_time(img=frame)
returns 6:04
